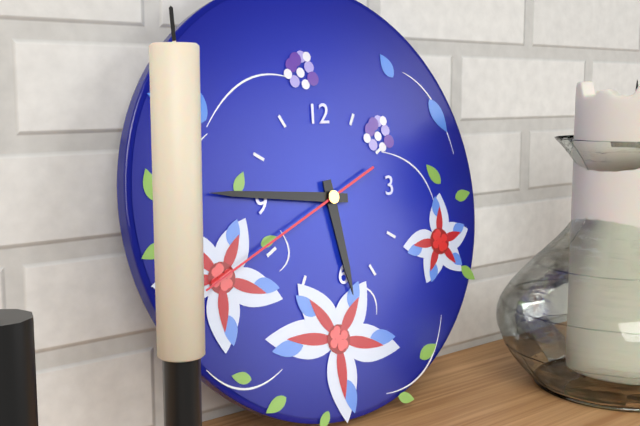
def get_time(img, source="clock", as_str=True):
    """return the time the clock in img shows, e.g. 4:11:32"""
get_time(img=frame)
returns 5:46:41
